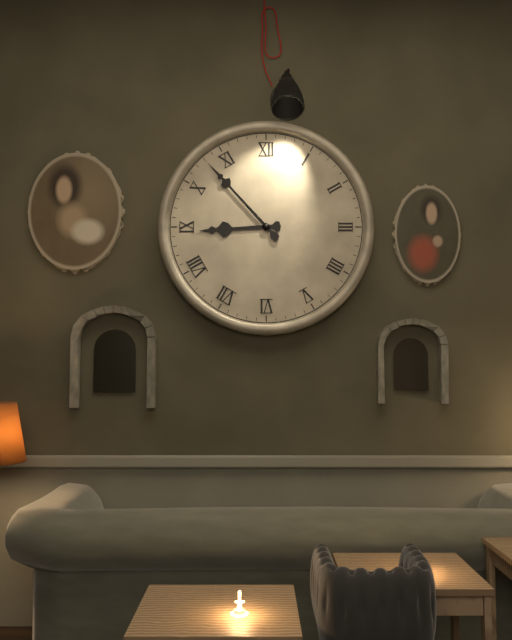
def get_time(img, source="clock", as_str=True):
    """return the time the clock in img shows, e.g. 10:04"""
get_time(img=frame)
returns 8:53
